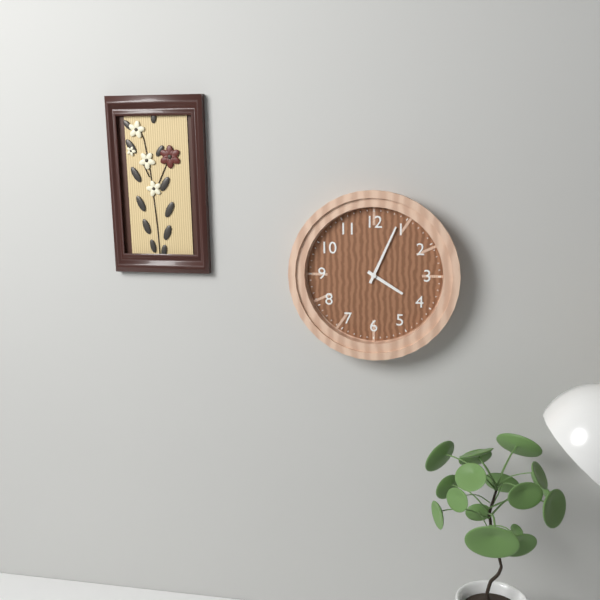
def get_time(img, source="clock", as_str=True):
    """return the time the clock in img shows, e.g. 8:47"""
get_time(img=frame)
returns 4:04
